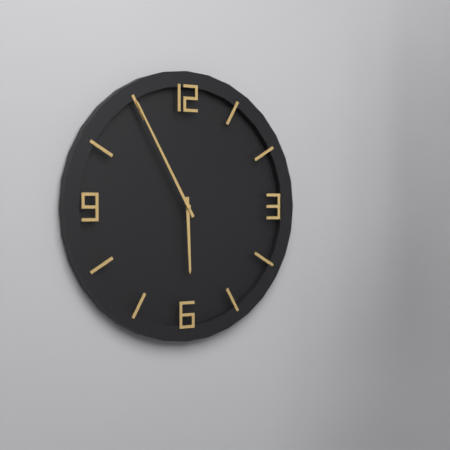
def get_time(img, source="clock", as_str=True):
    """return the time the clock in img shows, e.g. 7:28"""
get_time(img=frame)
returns 5:55
